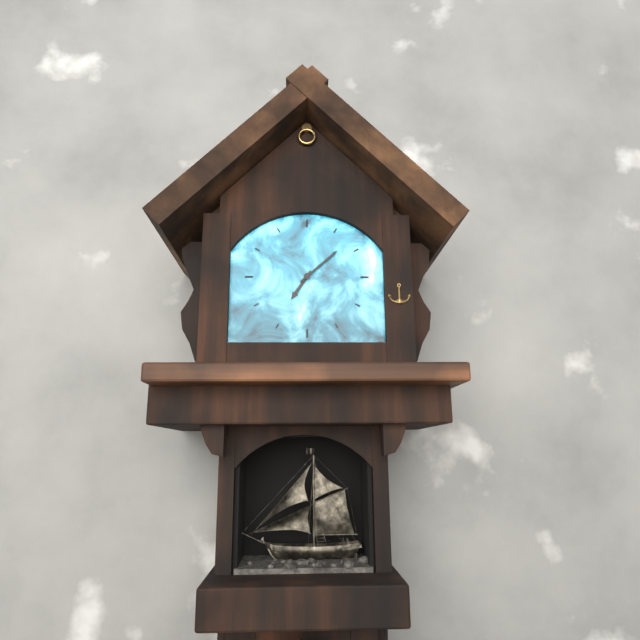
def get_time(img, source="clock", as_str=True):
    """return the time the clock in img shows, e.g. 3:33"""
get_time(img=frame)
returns 7:08
